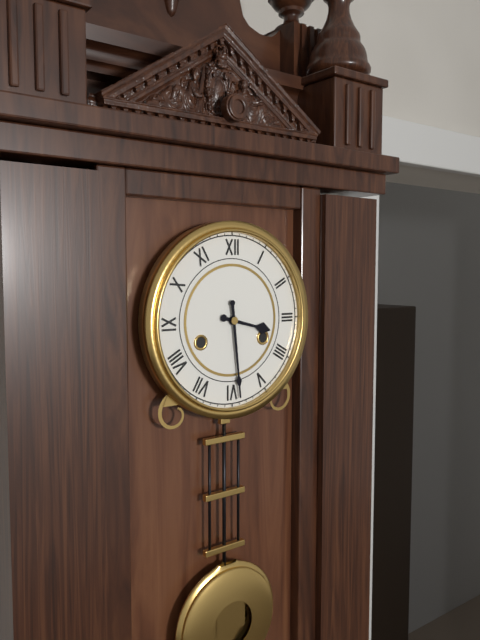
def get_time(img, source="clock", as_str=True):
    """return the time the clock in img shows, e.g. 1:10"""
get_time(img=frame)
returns 3:29
